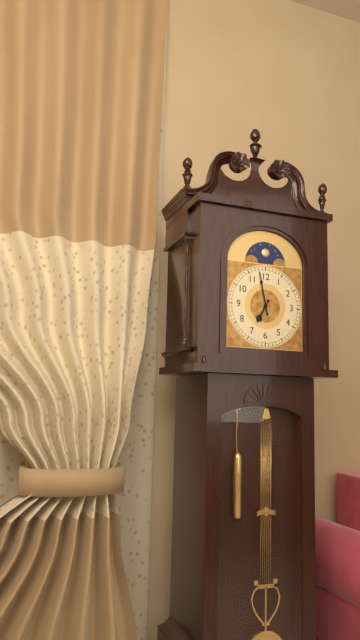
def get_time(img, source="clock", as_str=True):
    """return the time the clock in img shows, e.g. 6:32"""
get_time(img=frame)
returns 6:58
